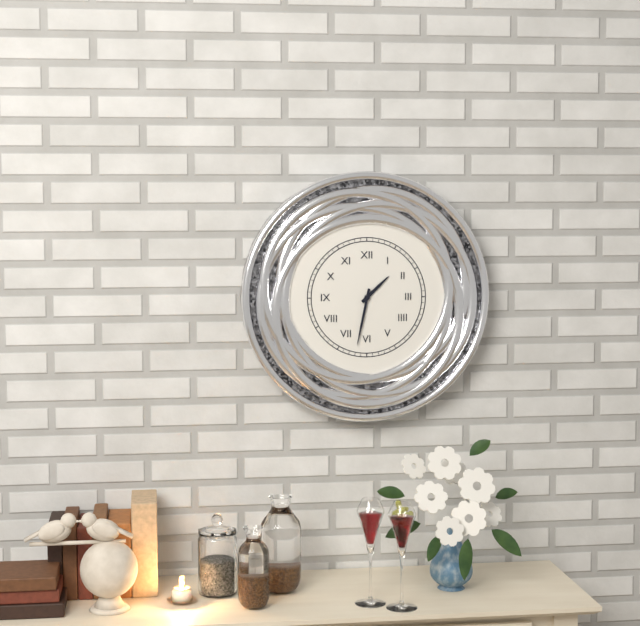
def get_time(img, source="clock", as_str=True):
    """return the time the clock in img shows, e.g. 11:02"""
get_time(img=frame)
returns 1:32
